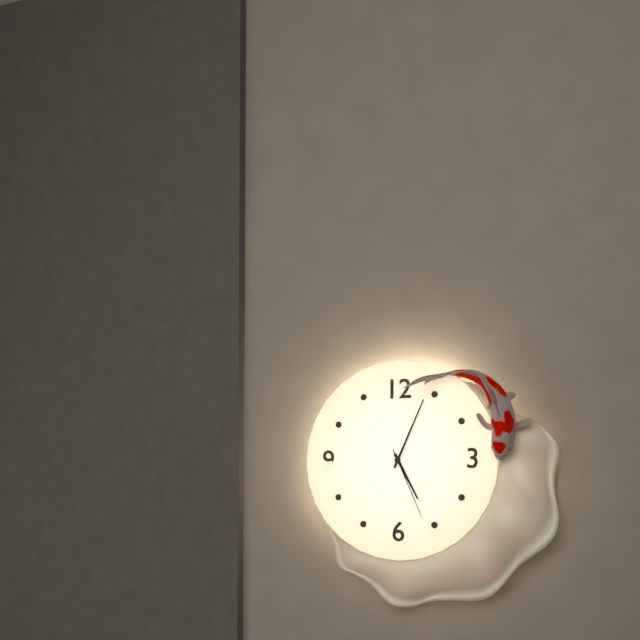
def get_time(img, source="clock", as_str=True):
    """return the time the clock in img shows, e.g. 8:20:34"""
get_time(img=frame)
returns 5:04:26
